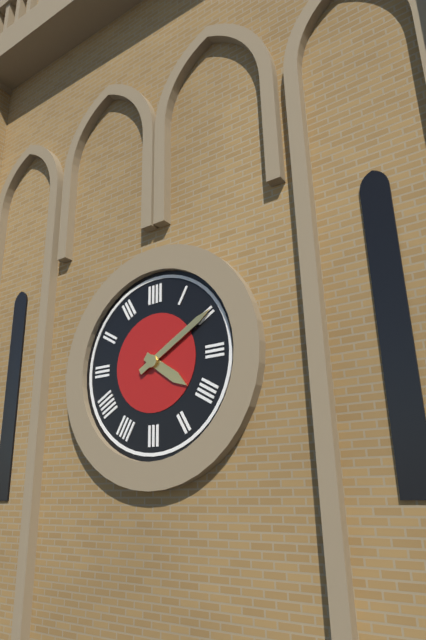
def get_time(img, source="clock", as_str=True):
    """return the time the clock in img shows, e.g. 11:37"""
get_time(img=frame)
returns 4:10
